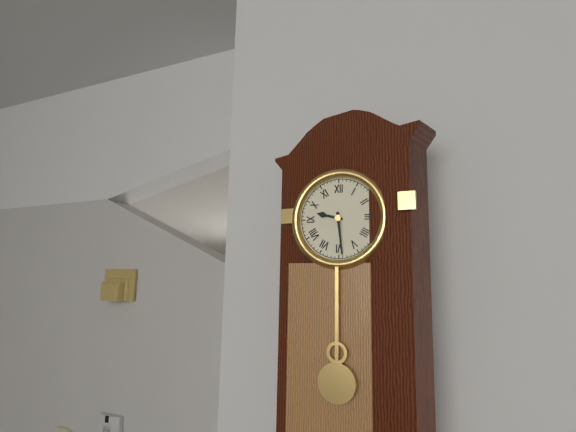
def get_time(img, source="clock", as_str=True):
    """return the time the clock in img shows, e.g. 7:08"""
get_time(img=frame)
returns 9:29
